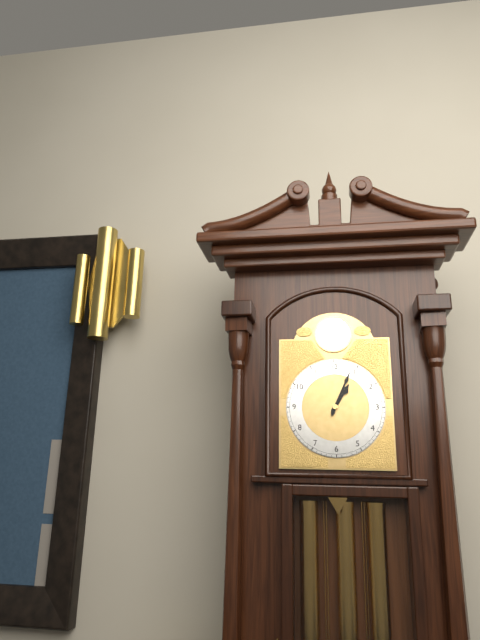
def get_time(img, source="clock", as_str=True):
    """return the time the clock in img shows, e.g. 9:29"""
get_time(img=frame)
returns 1:04
